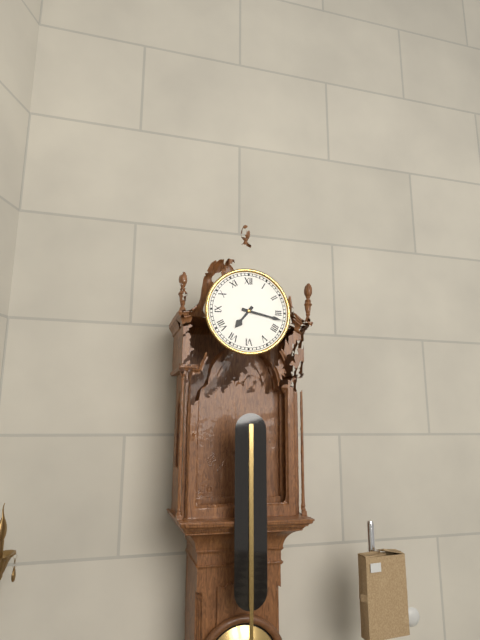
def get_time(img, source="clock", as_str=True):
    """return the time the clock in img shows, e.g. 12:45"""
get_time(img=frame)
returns 7:17
